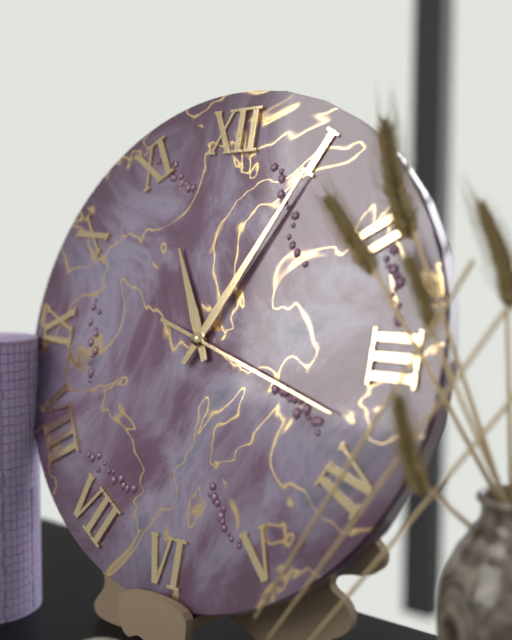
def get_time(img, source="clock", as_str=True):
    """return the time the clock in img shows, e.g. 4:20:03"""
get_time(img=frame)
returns 11:05:18
